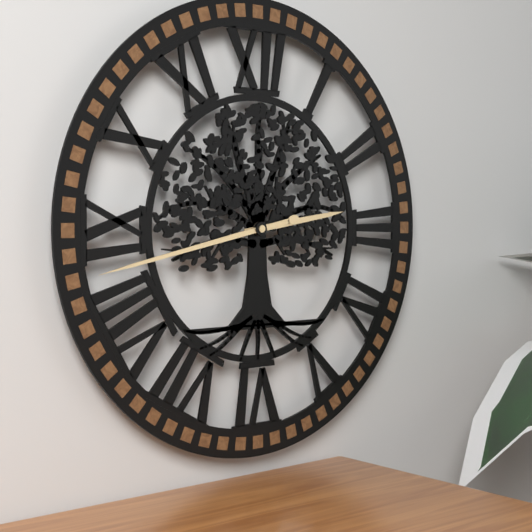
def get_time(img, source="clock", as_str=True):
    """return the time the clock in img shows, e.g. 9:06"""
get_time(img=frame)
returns 2:43
